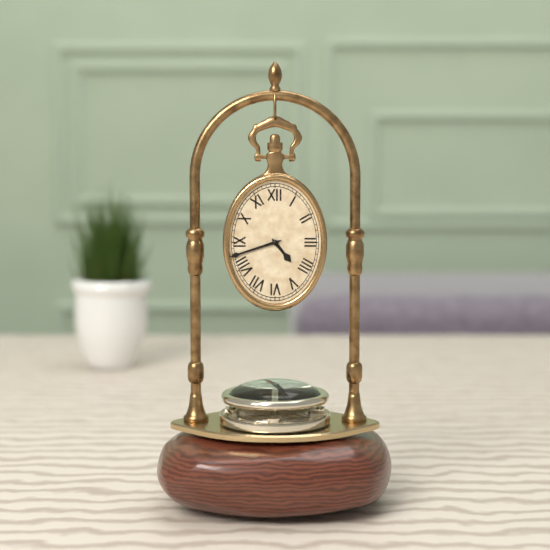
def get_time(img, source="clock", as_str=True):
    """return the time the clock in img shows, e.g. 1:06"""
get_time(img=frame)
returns 4:42
